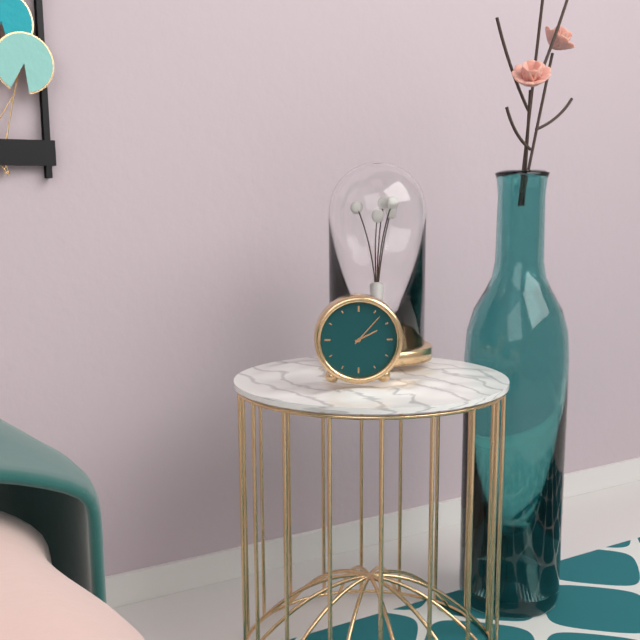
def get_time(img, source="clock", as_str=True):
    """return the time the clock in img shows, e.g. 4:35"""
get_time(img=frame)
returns 2:07
